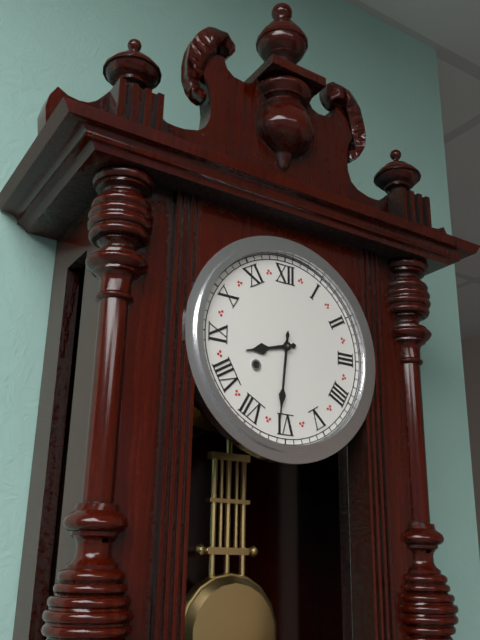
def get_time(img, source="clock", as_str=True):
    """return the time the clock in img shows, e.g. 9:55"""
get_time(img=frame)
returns 8:31
